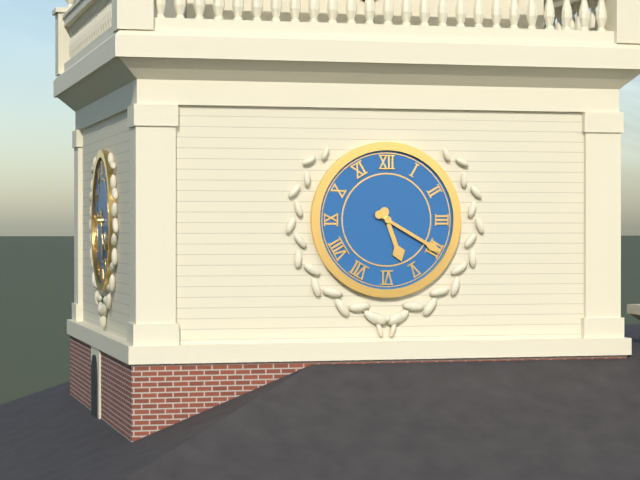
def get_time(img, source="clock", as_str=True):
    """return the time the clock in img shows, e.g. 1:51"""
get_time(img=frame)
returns 5:20
